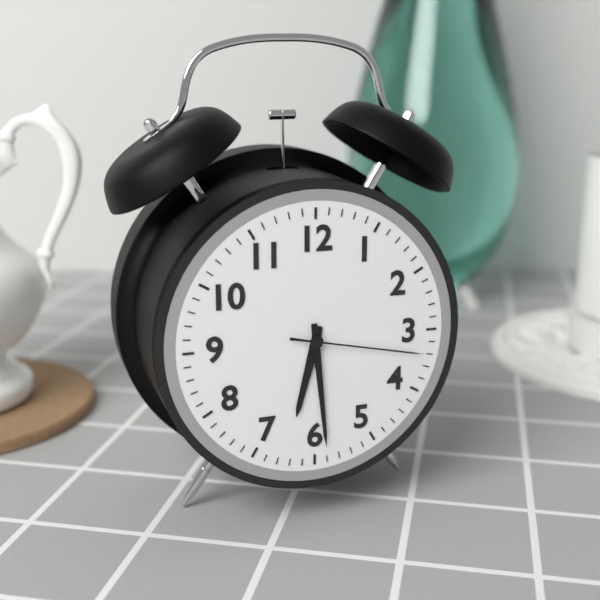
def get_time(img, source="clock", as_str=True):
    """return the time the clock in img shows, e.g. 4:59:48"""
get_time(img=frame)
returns 6:29:17
